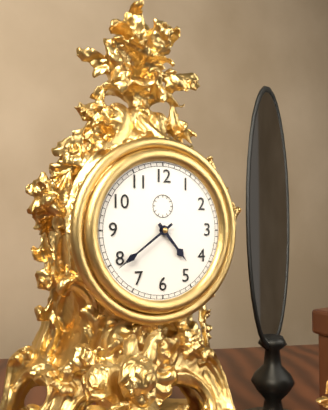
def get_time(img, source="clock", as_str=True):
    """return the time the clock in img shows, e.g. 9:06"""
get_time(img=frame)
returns 4:39
